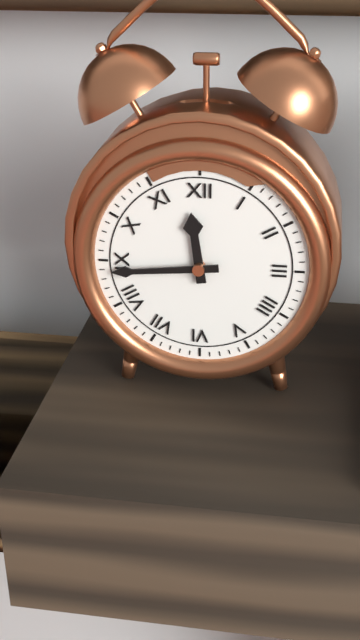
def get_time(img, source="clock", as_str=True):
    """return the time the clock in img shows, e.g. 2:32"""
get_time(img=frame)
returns 11:44
